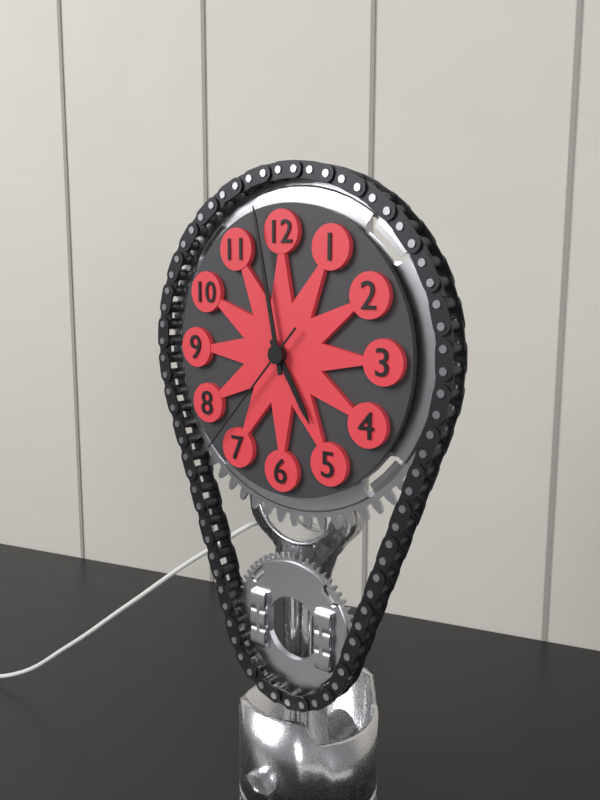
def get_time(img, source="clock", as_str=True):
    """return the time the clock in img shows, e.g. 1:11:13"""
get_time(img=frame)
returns 4:58:37
